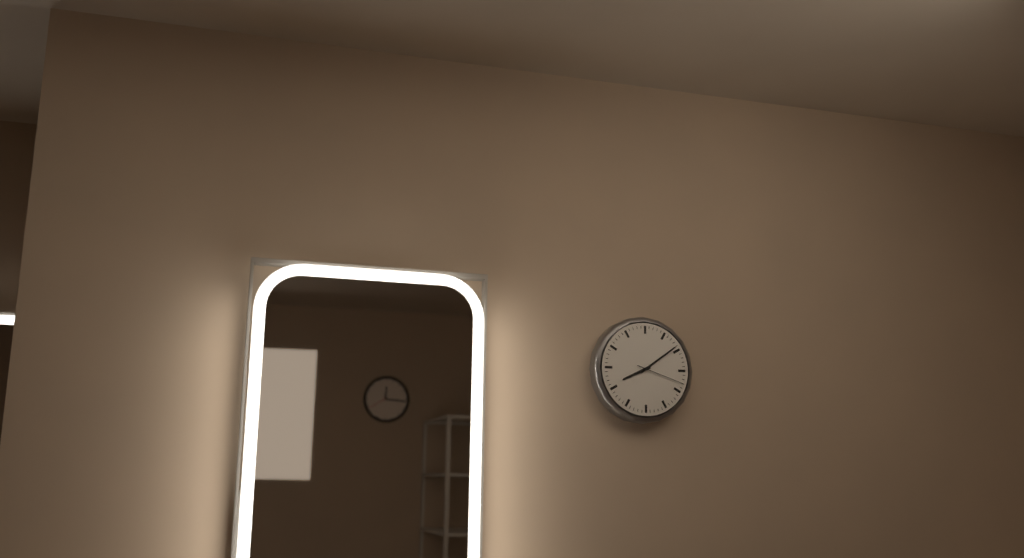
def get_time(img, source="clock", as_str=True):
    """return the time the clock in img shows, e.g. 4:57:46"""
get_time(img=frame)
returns 8:09:18
